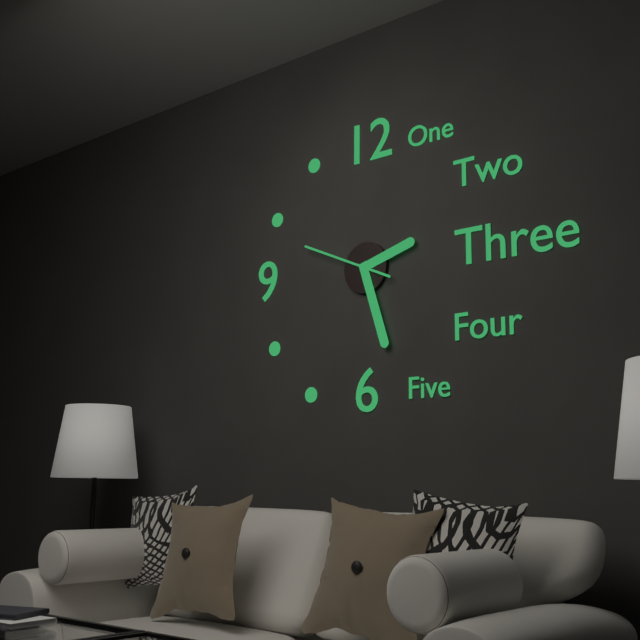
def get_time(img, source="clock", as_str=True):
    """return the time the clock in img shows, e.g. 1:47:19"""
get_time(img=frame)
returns 2:27:49
